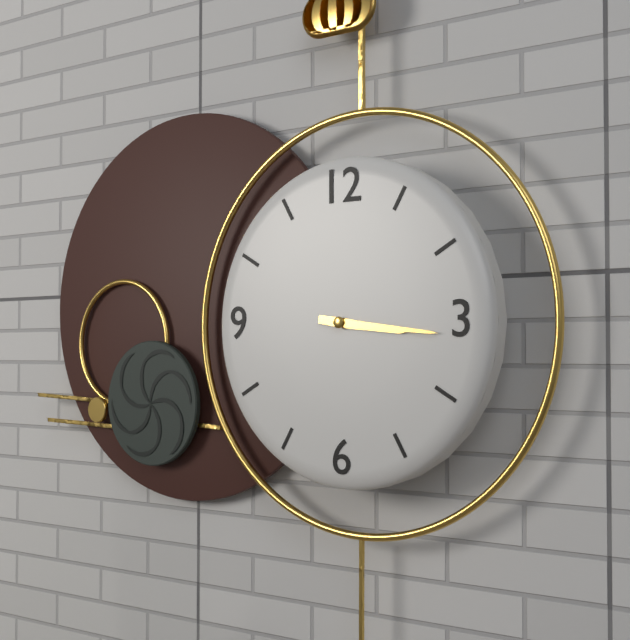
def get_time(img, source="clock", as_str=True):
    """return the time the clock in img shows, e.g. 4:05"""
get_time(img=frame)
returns 3:16
